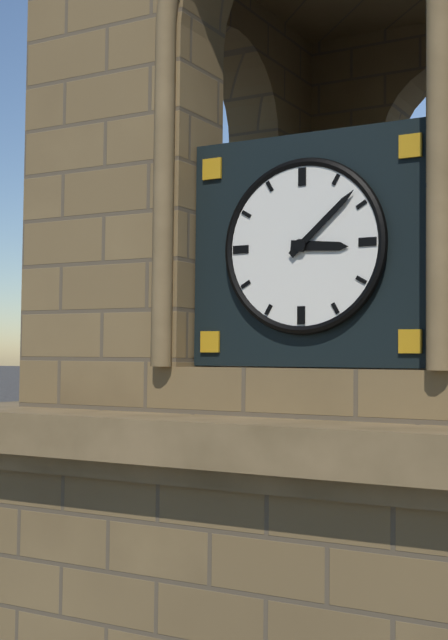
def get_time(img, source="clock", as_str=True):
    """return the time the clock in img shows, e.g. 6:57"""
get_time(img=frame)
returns 3:08
